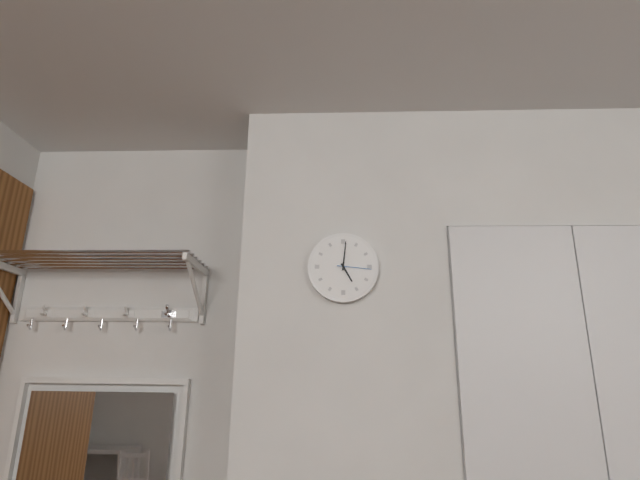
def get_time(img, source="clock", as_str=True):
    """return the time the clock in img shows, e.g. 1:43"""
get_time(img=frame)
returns 5:01
